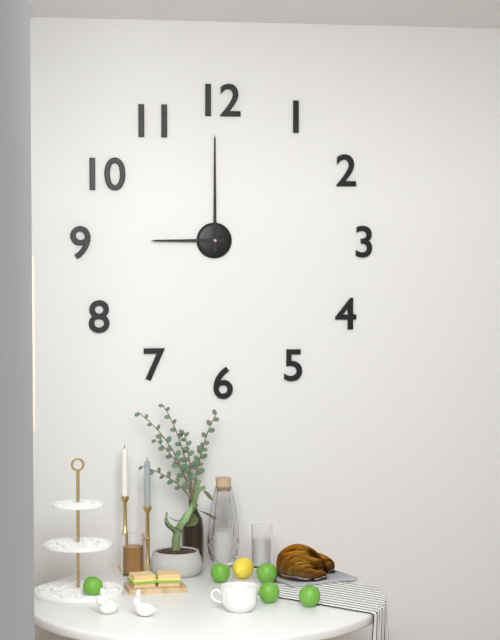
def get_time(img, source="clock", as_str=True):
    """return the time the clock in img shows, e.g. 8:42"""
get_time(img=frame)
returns 9:00
